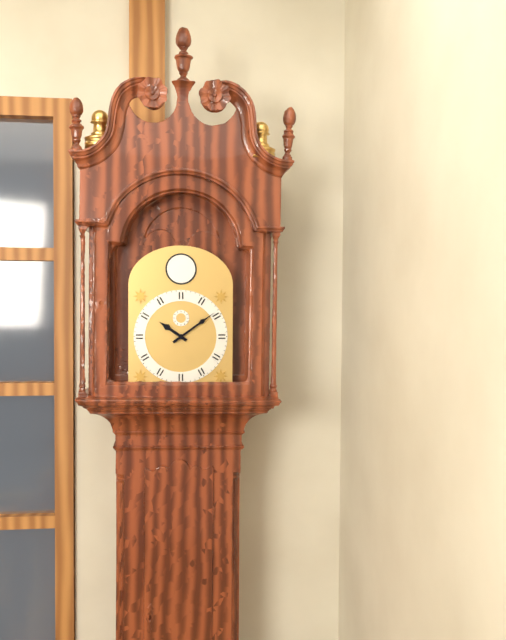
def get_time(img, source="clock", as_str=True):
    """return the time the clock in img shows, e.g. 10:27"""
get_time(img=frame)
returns 10:09
